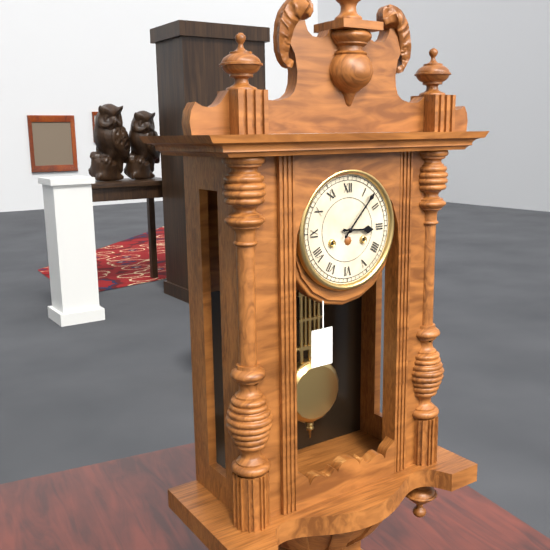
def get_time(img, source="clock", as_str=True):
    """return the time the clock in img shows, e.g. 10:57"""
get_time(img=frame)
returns 3:07
